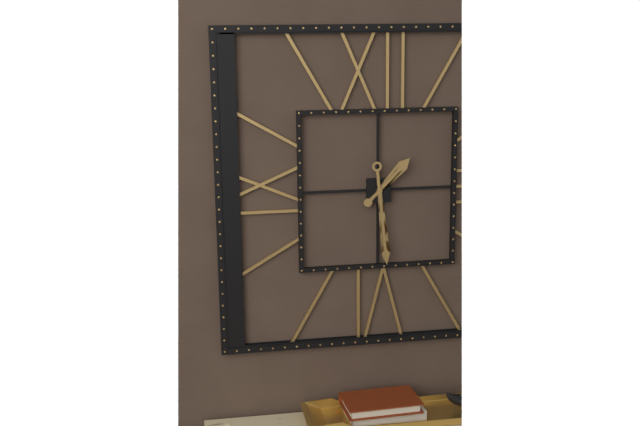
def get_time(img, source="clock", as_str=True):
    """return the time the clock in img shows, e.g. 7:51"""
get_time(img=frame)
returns 1:29
